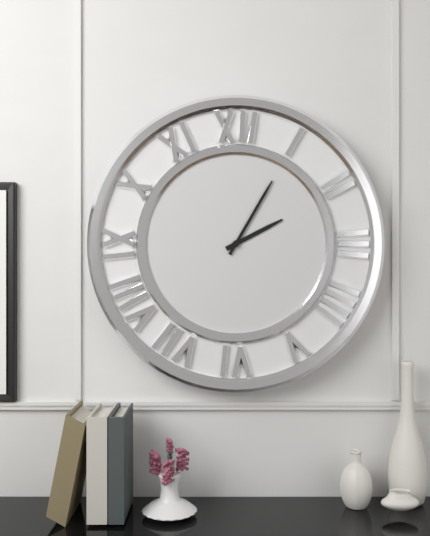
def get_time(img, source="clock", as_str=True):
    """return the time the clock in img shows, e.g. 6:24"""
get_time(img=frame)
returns 2:05
